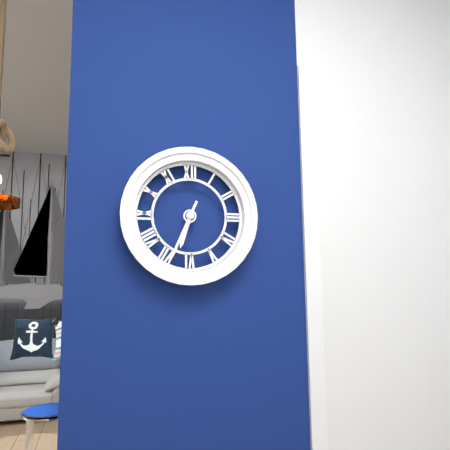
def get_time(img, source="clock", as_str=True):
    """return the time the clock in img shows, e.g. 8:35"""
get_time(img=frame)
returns 6:34
